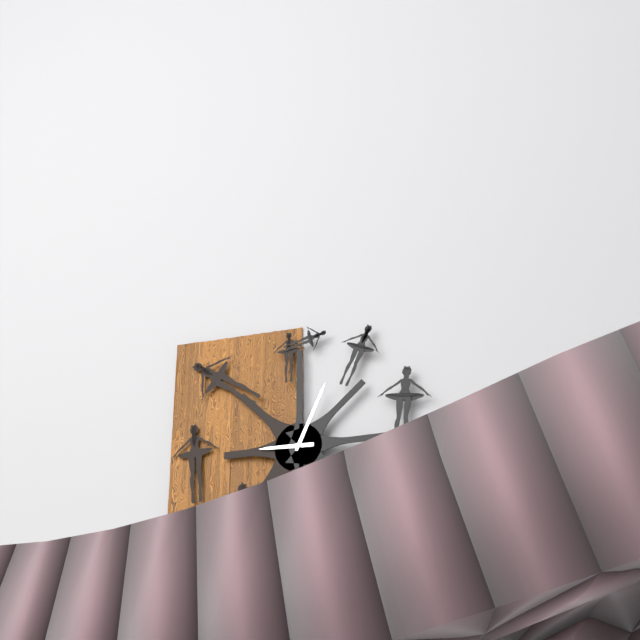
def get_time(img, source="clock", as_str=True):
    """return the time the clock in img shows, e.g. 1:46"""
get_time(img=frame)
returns 9:04
